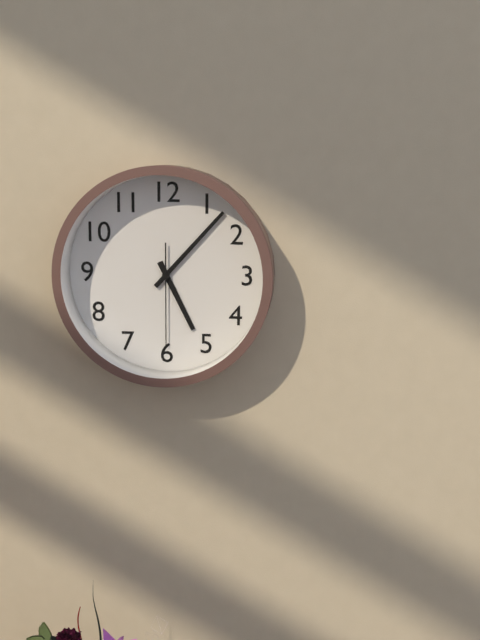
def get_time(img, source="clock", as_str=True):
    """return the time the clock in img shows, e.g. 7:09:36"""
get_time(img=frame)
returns 5:07:30
